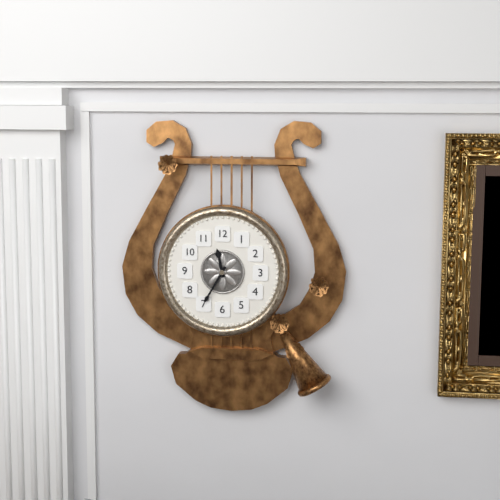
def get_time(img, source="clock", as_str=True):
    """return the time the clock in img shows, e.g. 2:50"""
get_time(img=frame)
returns 11:35
